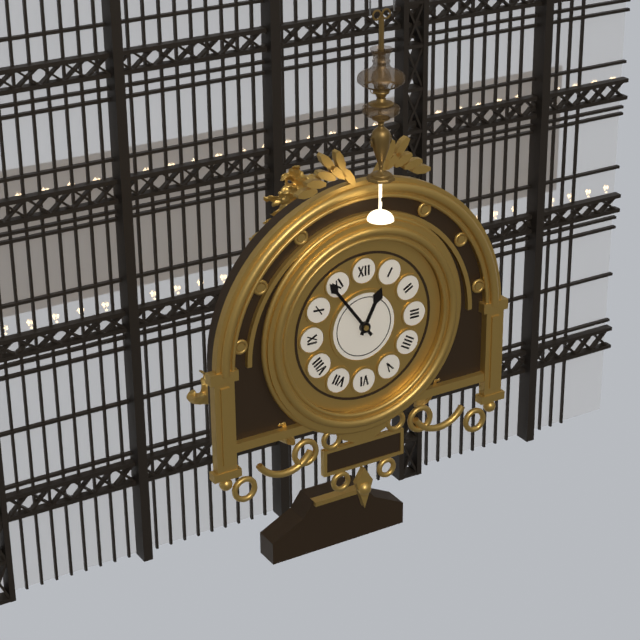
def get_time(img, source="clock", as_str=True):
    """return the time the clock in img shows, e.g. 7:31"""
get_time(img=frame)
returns 12:54
